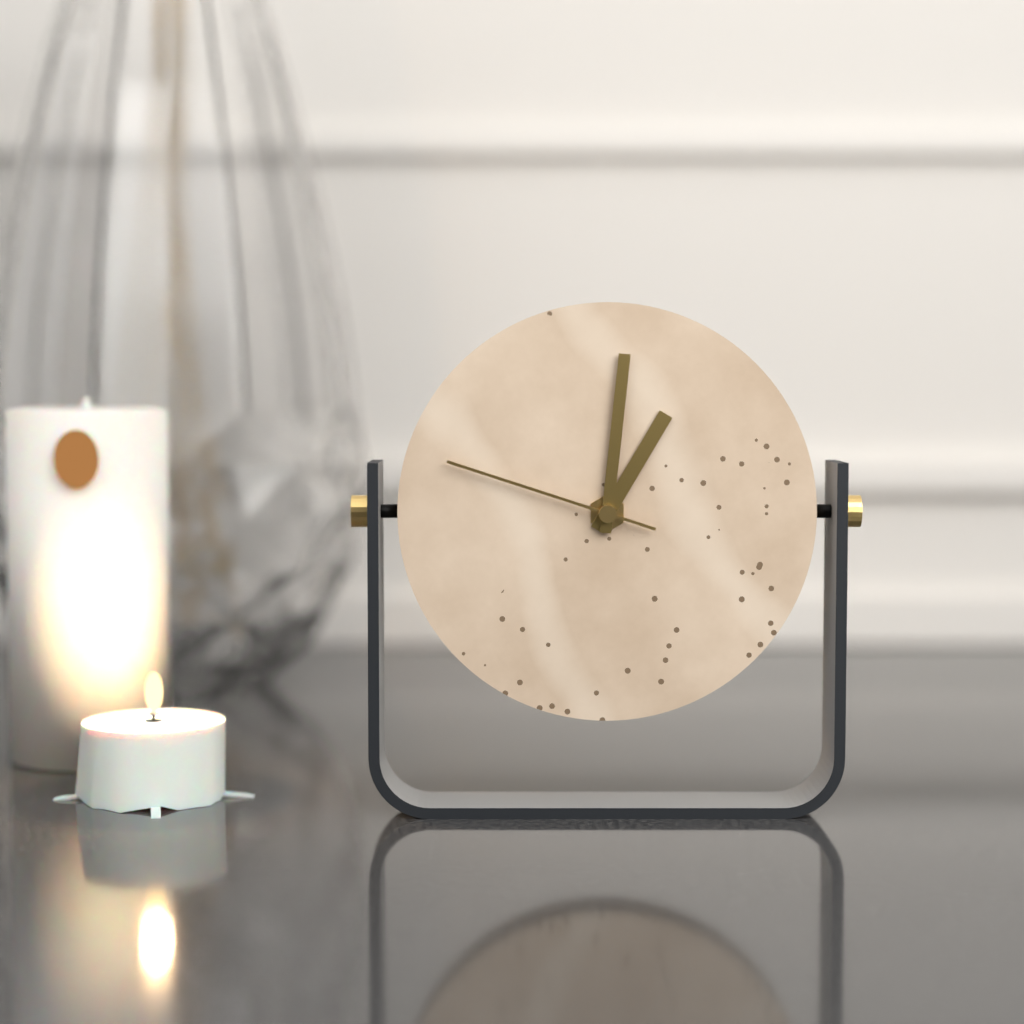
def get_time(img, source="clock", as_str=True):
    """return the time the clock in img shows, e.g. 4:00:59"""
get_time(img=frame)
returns 1:01:48
